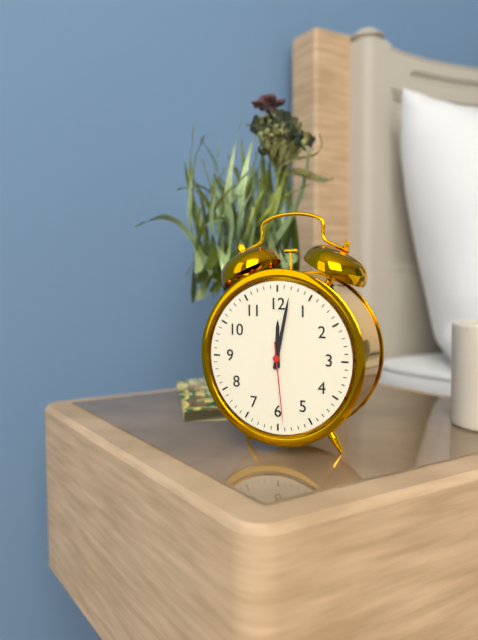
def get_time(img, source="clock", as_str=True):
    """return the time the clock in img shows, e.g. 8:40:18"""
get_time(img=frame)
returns 12:02:29
